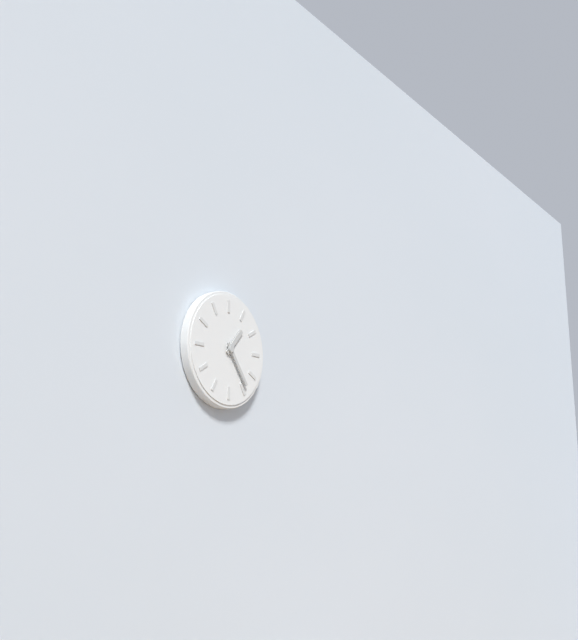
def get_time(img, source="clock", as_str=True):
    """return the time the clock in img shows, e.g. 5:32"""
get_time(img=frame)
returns 1:24
